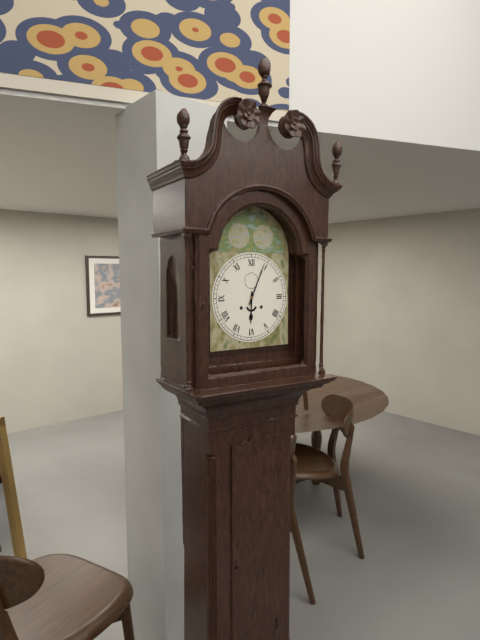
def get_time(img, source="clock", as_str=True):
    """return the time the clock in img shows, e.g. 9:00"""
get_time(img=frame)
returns 6:04
